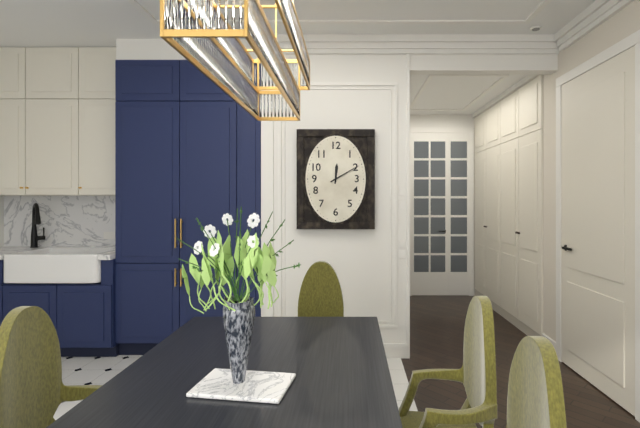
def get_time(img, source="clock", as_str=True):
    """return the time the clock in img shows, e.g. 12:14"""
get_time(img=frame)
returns 12:10
